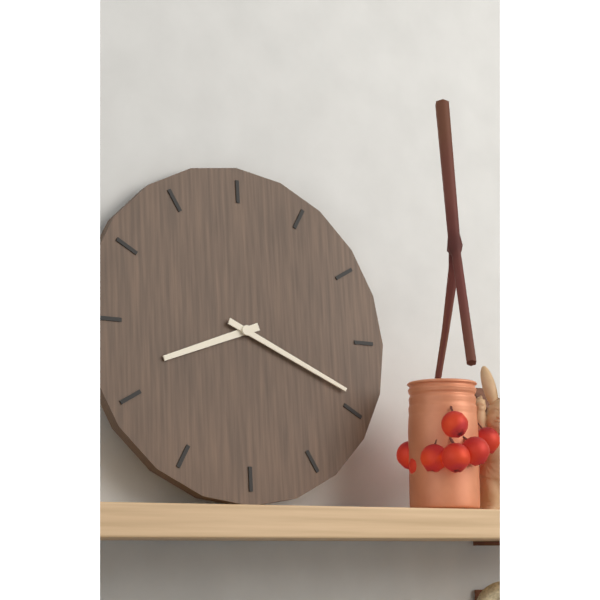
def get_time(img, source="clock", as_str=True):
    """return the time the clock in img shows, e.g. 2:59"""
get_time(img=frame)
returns 8:19
